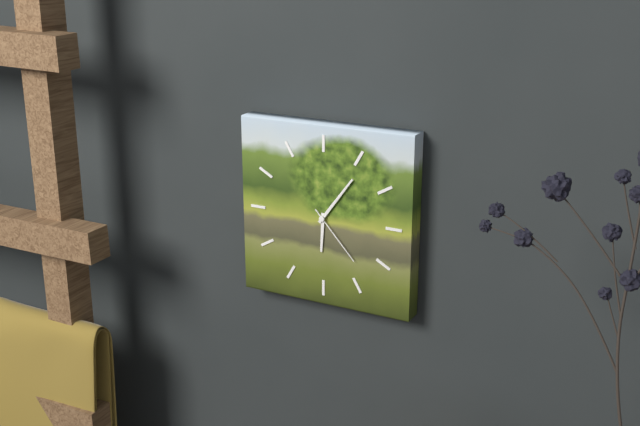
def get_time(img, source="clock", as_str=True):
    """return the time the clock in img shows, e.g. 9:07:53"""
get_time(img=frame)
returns 6:06:23
